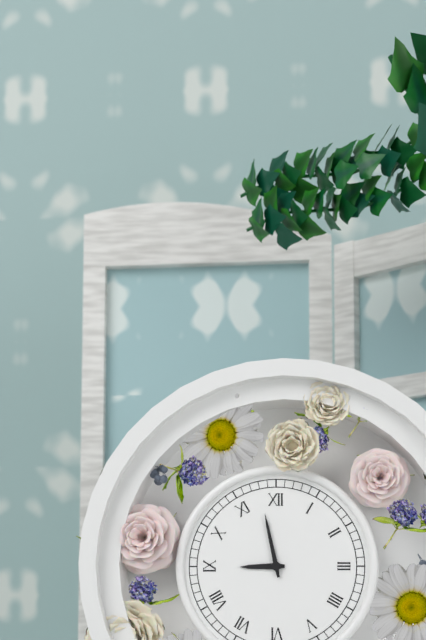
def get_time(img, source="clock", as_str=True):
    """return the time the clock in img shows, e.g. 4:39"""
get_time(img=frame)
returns 8:58
